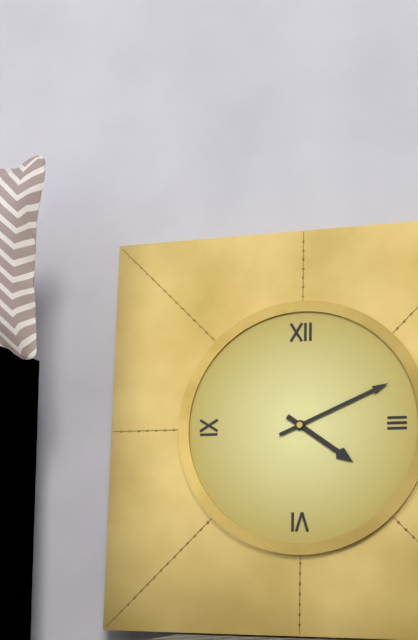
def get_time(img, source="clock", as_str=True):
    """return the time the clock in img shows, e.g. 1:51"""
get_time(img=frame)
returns 4:11
